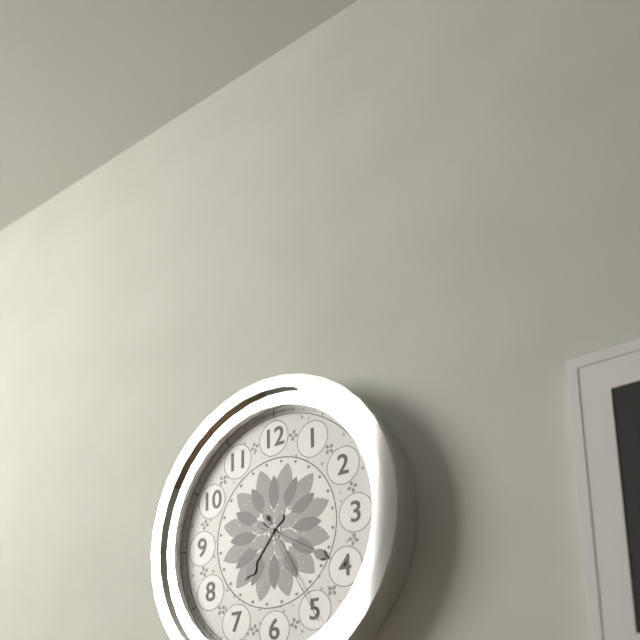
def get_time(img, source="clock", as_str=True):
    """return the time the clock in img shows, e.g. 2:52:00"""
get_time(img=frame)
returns 7:20:25
